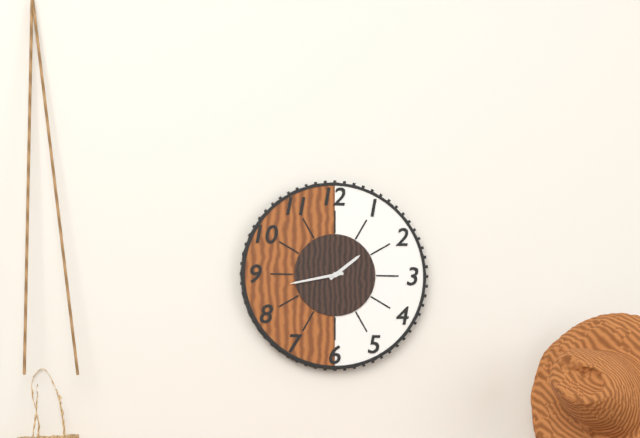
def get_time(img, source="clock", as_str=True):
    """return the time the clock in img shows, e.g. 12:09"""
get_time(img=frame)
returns 1:43
